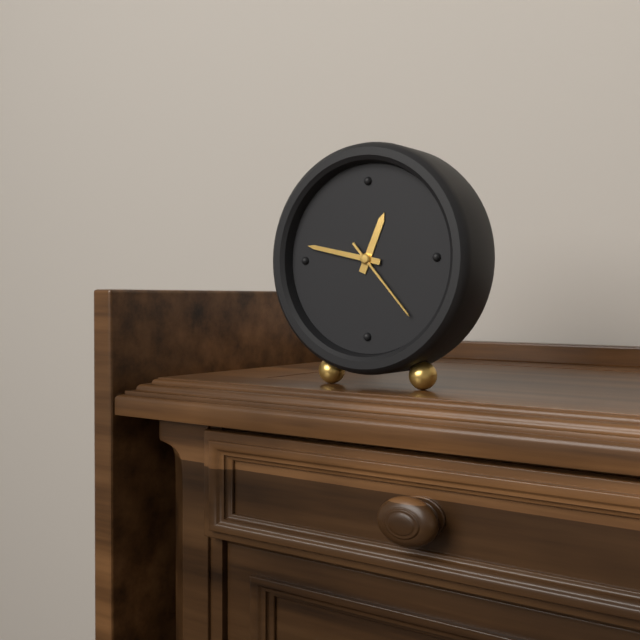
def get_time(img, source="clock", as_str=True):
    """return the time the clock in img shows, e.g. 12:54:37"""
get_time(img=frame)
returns 12:47:23
